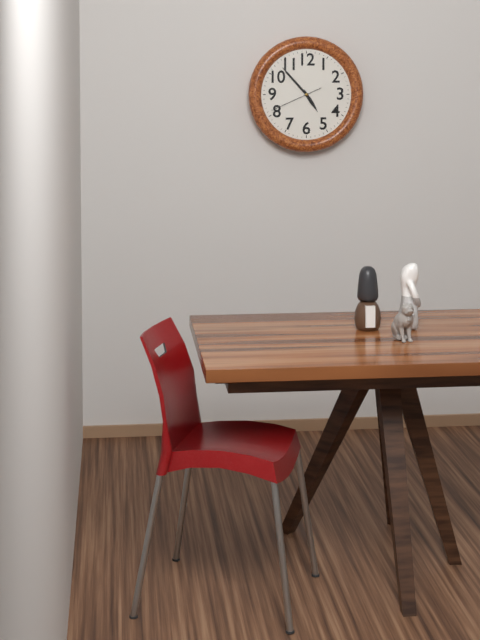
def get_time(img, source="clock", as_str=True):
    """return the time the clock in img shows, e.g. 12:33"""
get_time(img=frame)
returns 4:53
